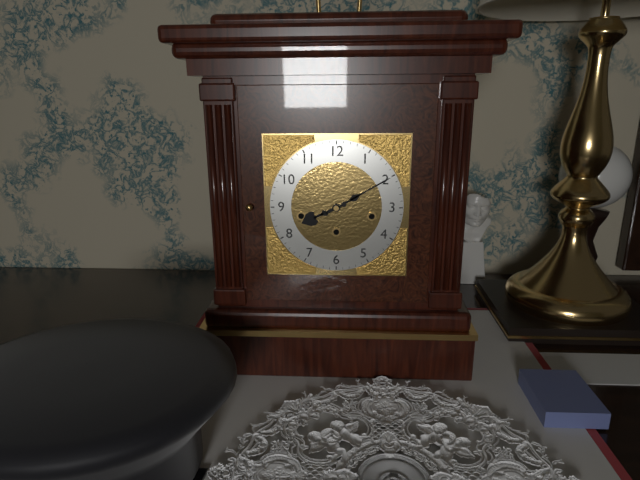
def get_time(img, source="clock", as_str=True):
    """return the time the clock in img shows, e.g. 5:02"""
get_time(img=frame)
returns 8:10
